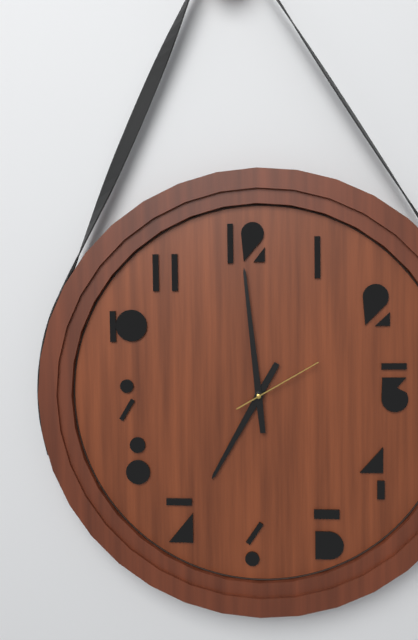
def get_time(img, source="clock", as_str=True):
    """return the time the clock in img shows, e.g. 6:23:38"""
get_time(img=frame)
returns 6:59:10
